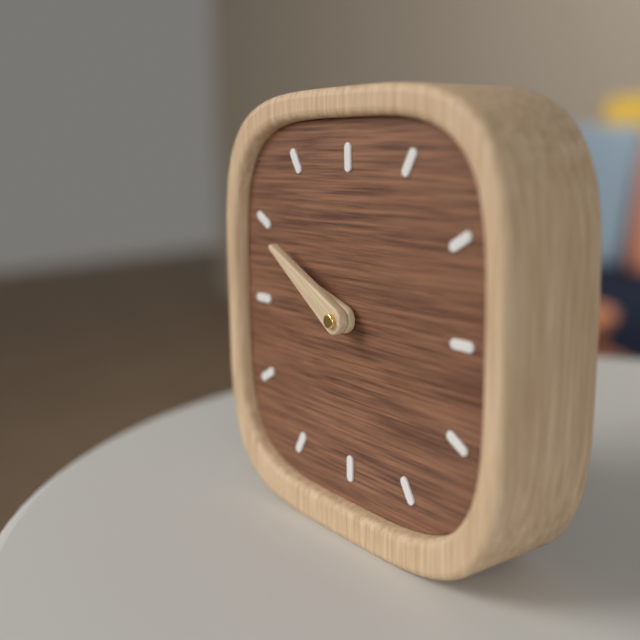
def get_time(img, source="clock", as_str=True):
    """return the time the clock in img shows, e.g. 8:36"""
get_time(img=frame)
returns 9:50
